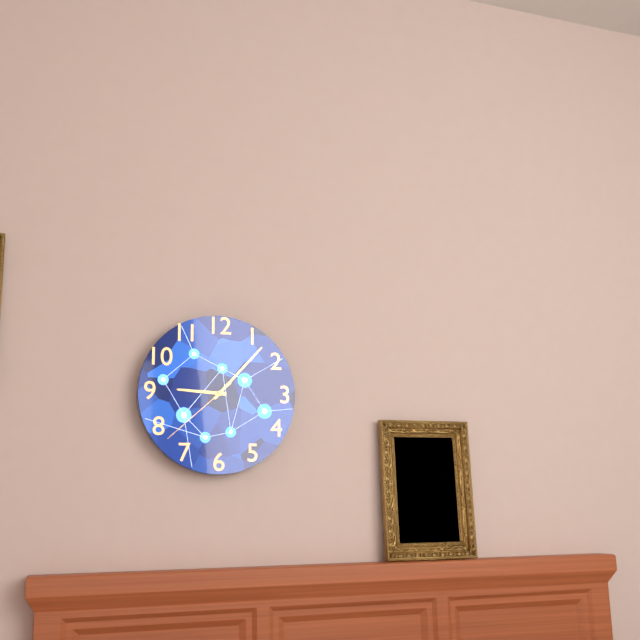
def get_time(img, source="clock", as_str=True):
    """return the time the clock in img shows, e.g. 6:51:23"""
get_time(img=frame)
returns 9:07:38
